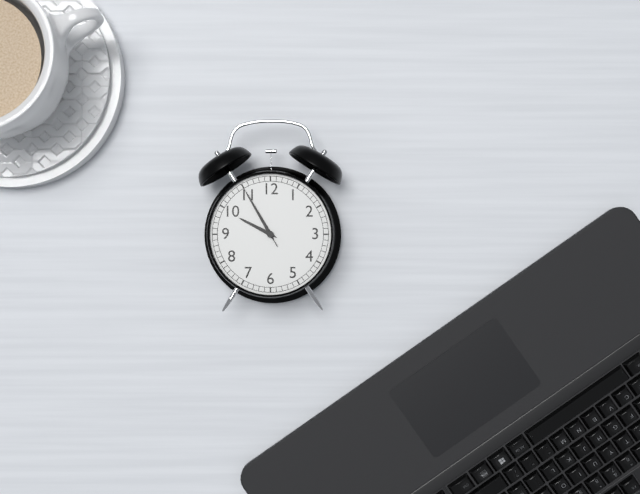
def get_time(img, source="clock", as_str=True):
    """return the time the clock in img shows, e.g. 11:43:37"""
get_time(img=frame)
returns 9:55:55
